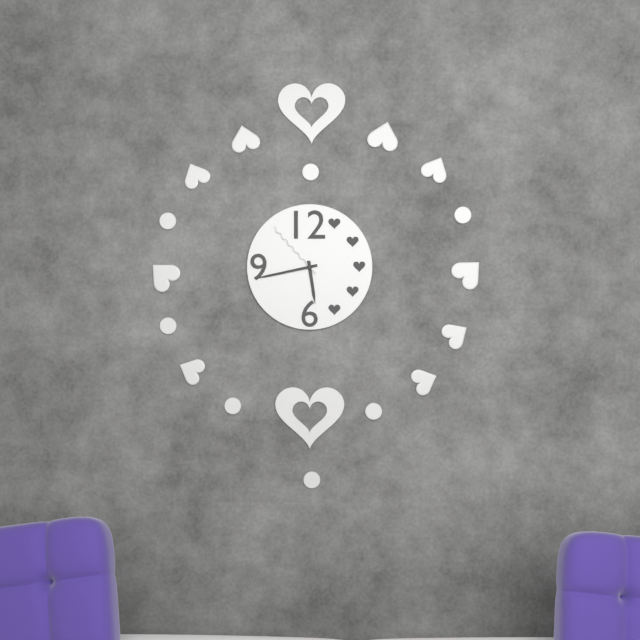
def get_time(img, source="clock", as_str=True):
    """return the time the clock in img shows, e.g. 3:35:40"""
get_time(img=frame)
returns 5:43:53
